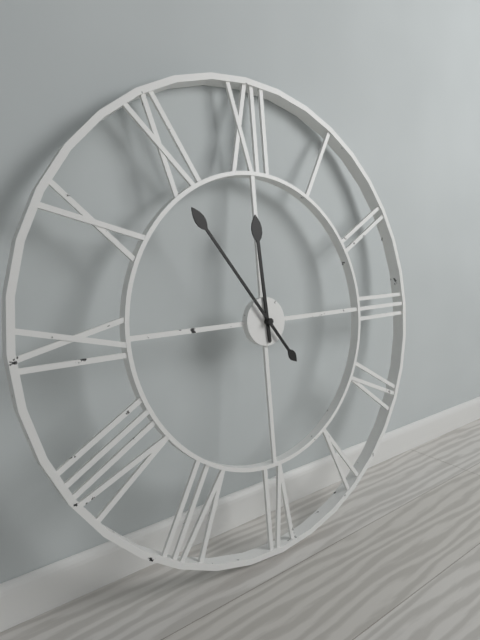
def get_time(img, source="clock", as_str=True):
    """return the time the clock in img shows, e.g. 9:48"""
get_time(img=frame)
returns 11:54
